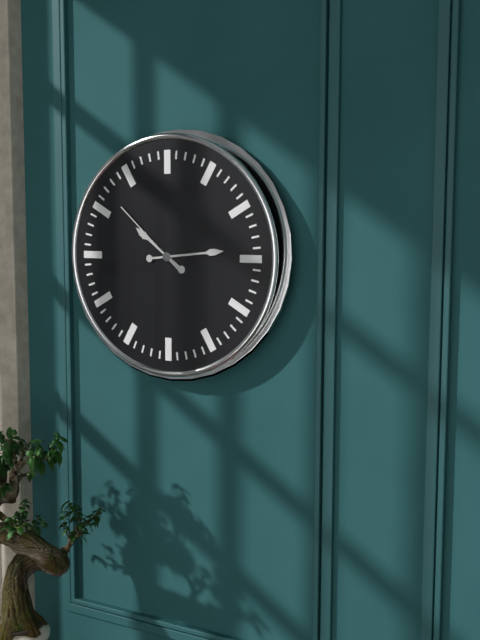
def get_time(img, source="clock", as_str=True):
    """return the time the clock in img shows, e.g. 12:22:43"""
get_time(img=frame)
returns 10:14:52
